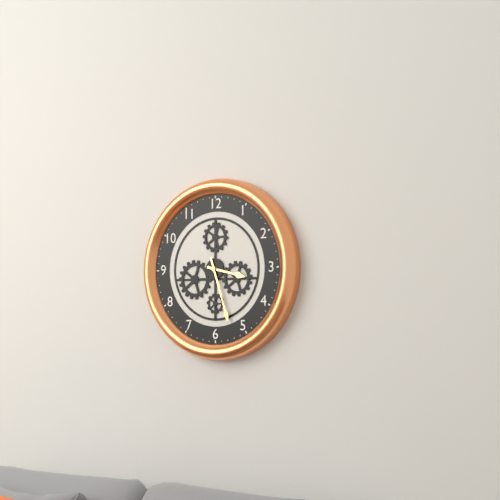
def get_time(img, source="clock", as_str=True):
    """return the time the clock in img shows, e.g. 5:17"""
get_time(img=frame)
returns 3:27
